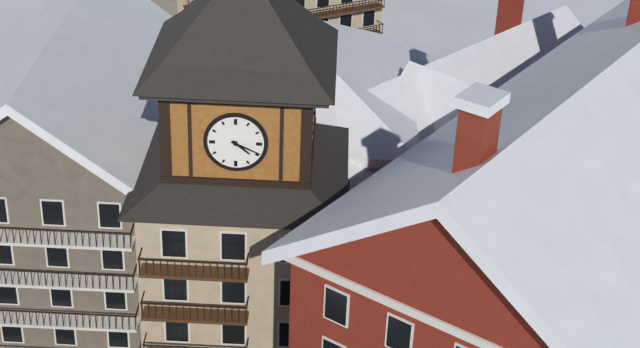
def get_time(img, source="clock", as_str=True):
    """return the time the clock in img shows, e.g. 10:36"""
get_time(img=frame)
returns 4:19
